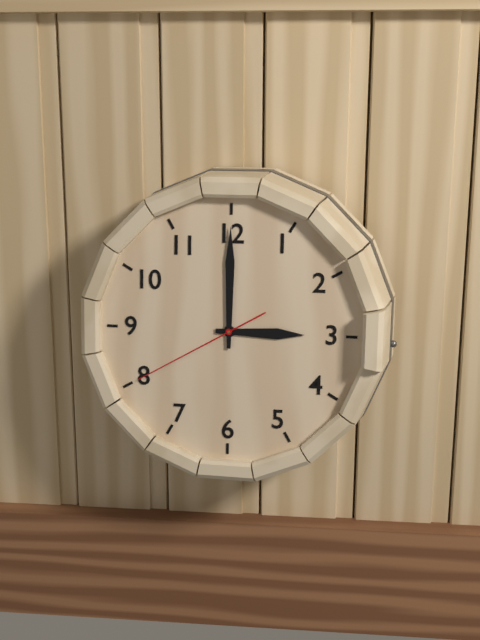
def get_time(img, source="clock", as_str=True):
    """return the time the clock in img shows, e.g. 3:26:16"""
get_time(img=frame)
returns 3:00:40
